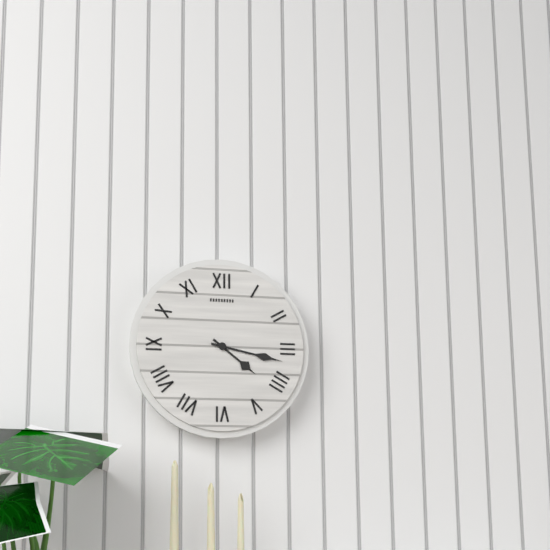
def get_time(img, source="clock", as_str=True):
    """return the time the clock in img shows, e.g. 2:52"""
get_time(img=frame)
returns 4:17
